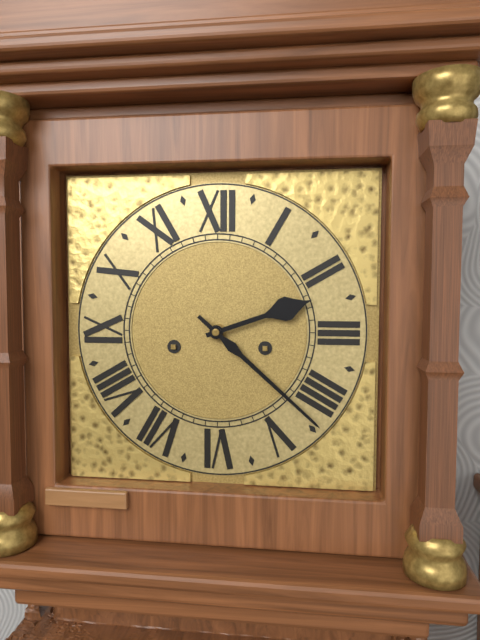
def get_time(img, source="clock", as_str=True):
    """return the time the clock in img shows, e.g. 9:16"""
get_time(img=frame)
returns 2:22
